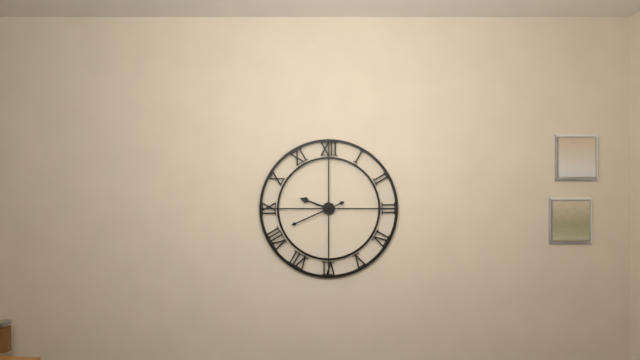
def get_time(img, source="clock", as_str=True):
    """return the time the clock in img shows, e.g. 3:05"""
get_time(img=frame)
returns 9:41
